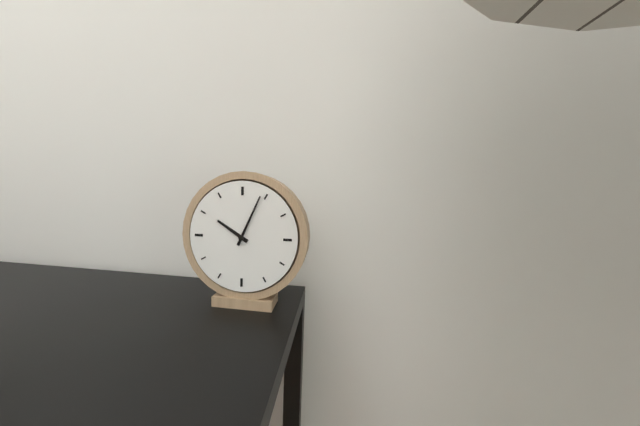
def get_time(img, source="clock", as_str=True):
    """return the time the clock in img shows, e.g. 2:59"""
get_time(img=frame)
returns 10:04
